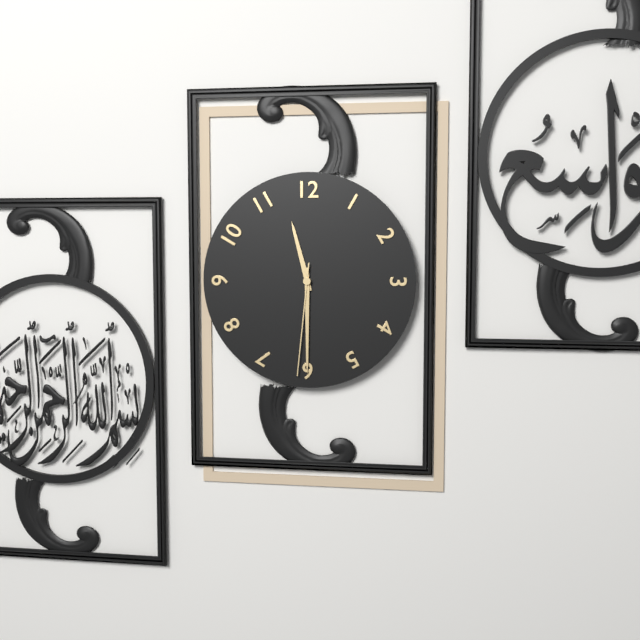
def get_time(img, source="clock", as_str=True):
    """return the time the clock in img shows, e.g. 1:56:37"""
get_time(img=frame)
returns 11:30:31
